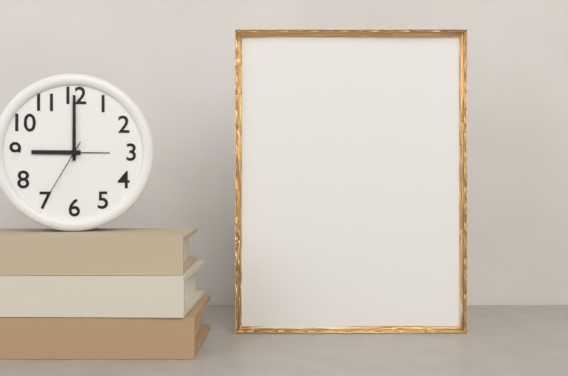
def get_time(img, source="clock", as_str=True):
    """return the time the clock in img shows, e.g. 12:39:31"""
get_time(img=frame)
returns 9:00:35
